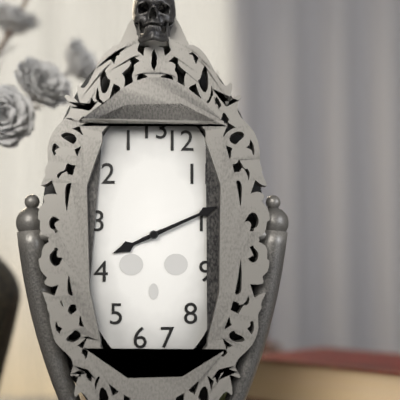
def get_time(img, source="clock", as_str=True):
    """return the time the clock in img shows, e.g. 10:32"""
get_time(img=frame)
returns 8:11
